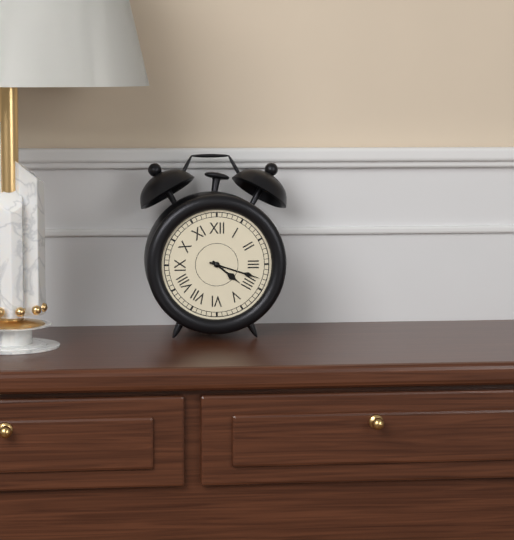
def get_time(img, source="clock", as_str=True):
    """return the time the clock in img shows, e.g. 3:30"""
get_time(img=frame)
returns 4:18
